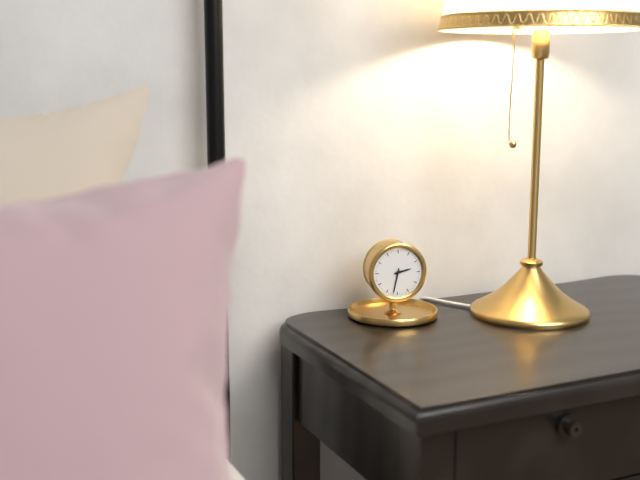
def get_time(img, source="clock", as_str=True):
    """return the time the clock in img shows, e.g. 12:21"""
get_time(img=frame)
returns 2:32
